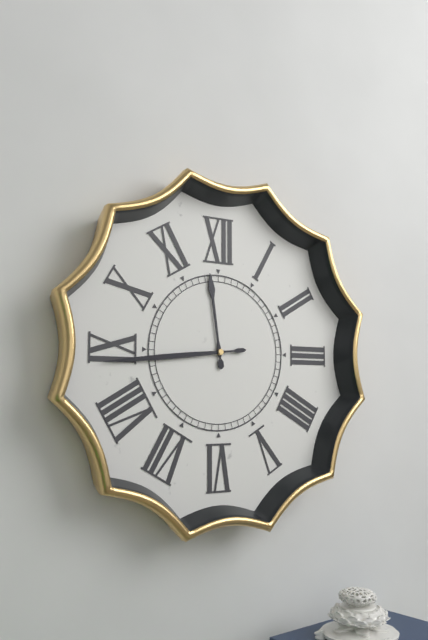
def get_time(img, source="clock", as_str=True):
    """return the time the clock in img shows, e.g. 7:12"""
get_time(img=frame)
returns 11:44
